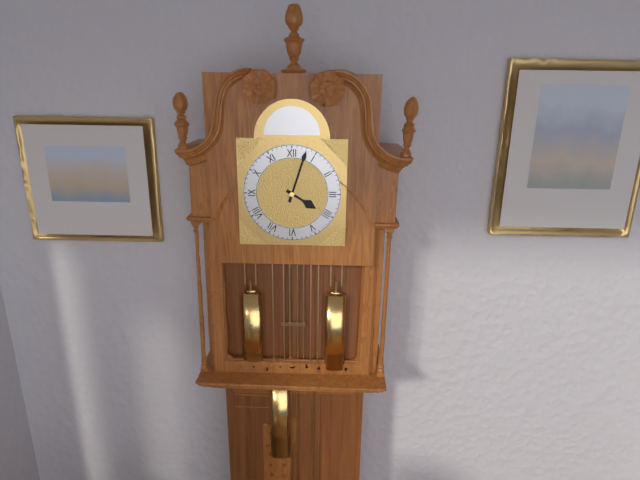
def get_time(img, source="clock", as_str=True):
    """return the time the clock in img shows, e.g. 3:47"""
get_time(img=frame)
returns 4:03
